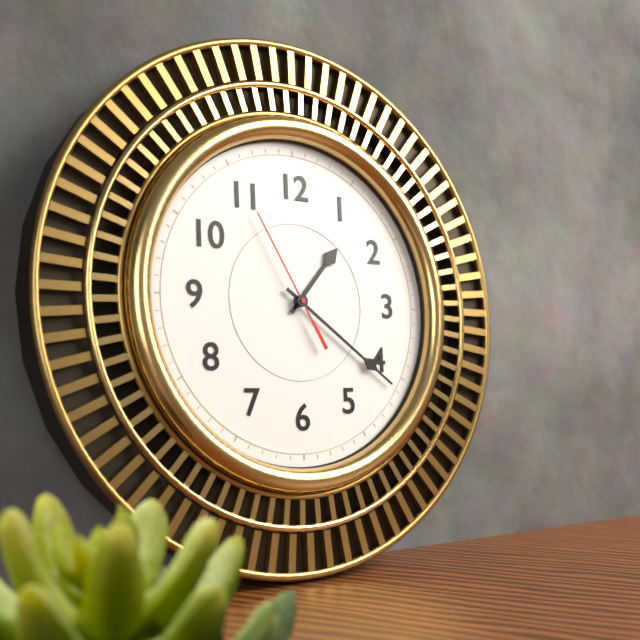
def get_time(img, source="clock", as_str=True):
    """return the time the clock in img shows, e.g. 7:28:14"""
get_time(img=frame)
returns 1:21:55
